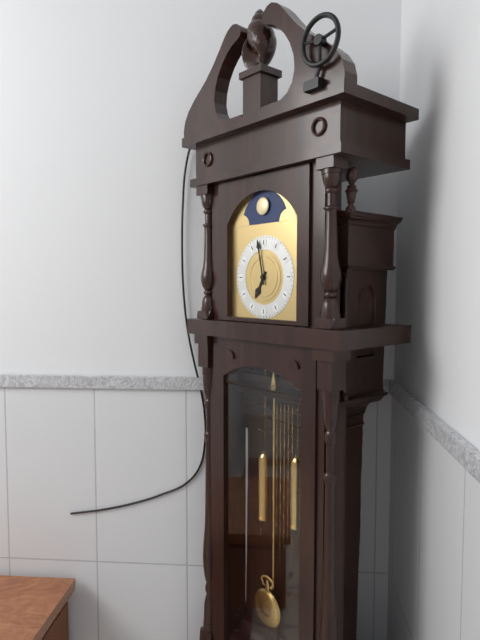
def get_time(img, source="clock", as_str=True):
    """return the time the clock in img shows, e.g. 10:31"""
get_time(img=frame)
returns 6:58
